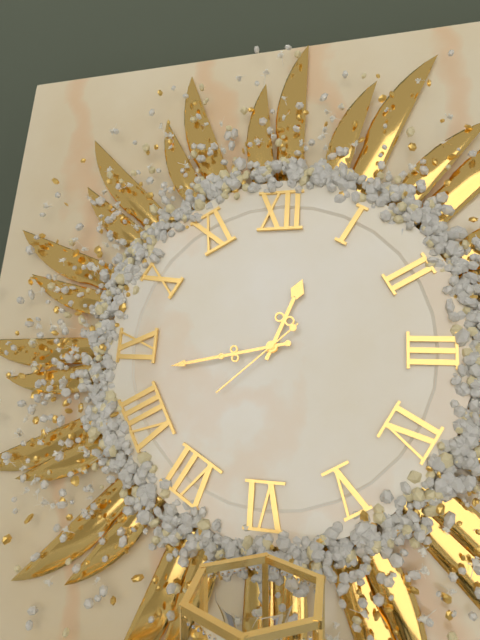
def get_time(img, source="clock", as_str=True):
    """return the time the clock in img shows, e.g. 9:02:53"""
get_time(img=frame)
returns 12:43:38
